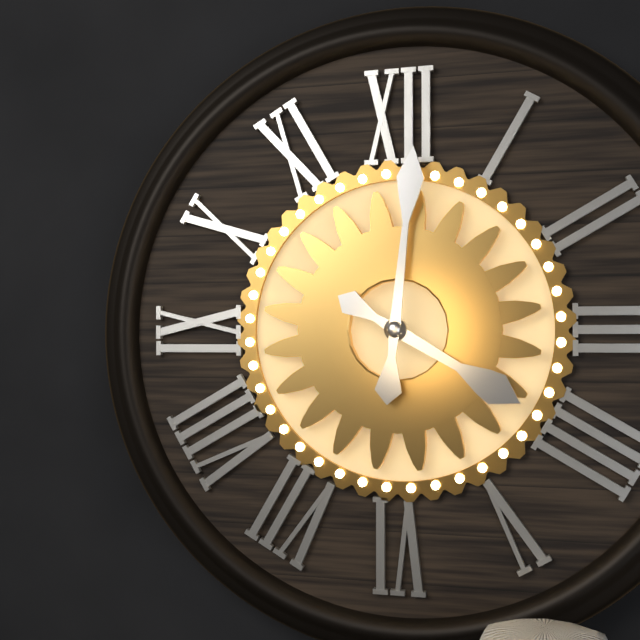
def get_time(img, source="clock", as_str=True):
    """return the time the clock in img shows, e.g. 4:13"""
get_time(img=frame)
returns 4:01
